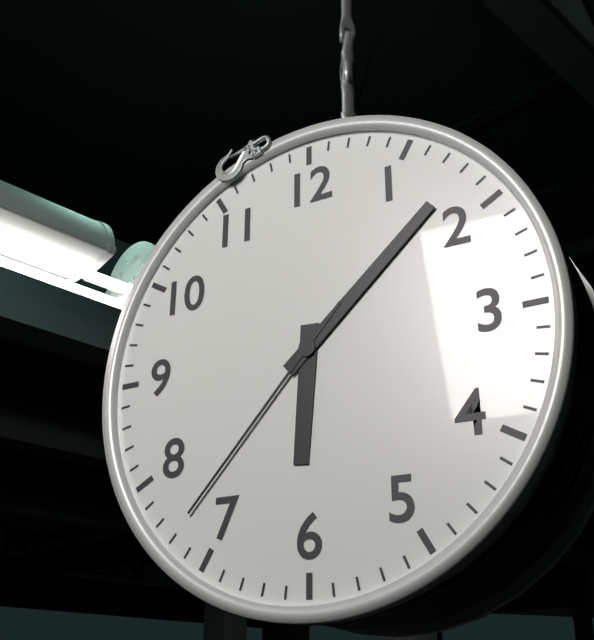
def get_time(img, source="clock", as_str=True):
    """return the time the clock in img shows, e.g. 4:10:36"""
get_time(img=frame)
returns 6:08:37
